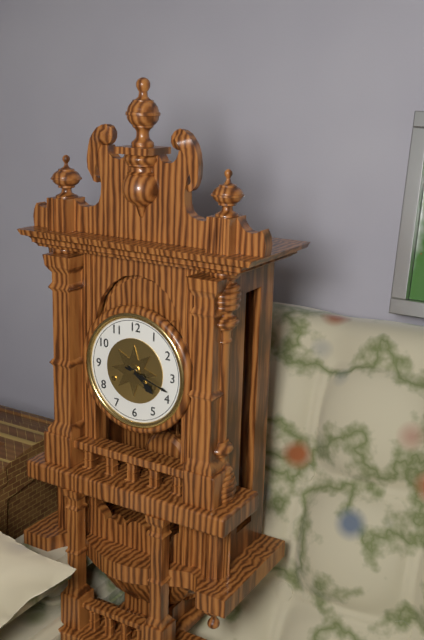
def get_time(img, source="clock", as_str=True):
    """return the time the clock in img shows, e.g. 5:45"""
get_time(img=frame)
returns 4:18
